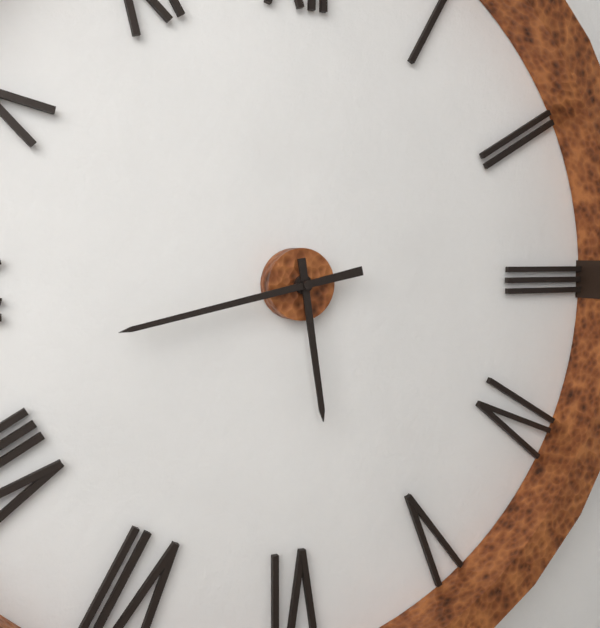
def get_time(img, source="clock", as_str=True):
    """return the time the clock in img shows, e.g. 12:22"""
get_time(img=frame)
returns 5:43
